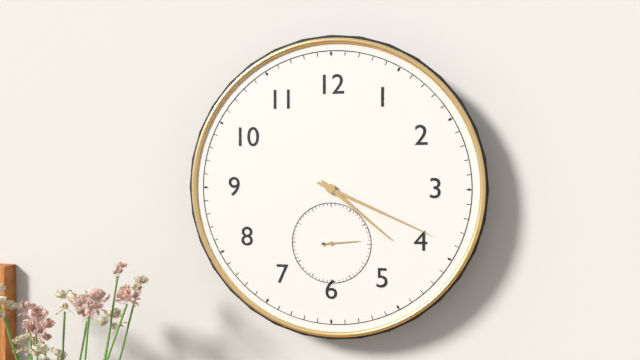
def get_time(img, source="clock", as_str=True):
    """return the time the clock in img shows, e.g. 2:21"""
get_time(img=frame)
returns 4:19
